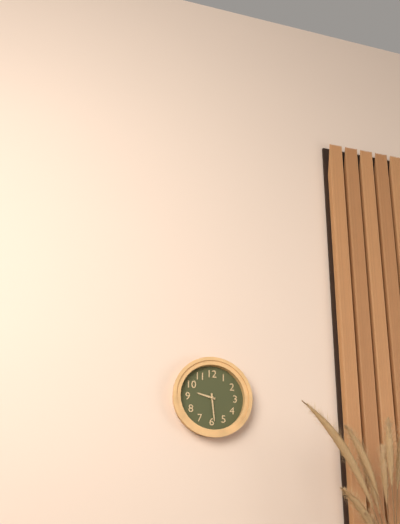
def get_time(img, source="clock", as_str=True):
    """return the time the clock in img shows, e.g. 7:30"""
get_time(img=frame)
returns 9:29
